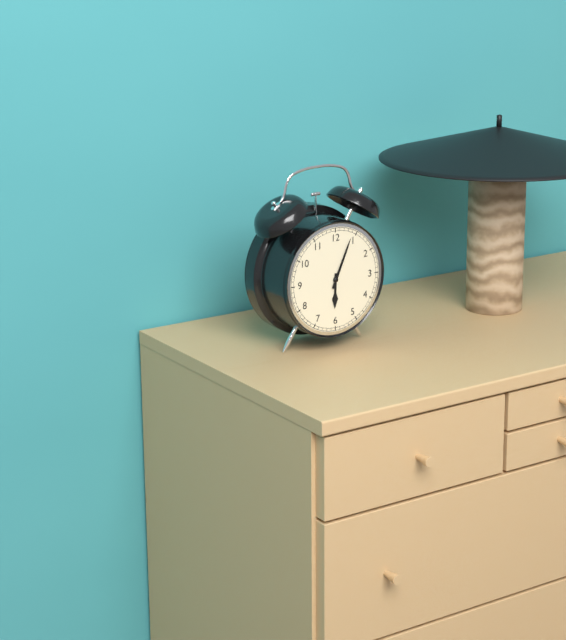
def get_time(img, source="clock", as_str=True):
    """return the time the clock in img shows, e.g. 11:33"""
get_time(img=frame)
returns 6:04
